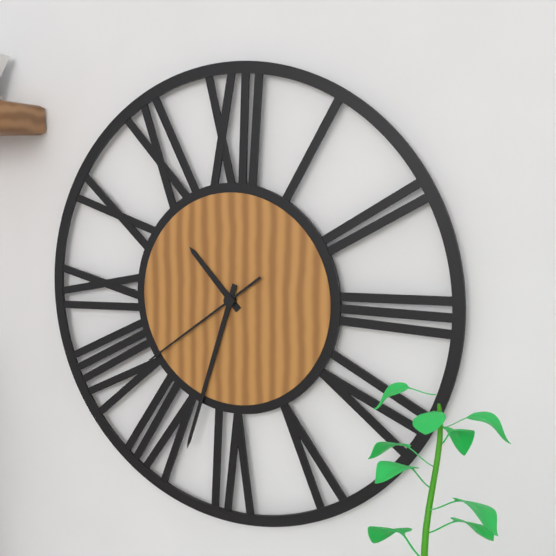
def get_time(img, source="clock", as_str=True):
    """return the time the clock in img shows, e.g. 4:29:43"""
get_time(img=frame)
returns 10:33:39
